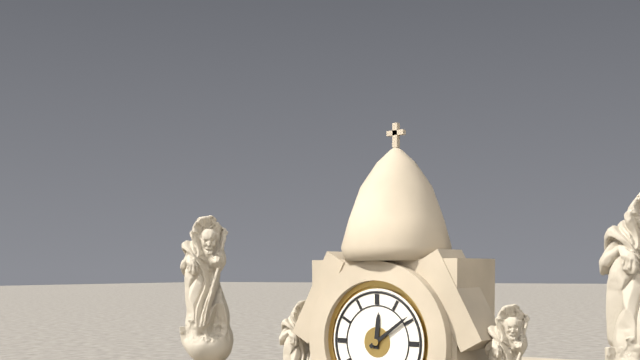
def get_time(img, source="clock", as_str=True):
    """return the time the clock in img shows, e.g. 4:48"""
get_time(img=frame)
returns 12:09
